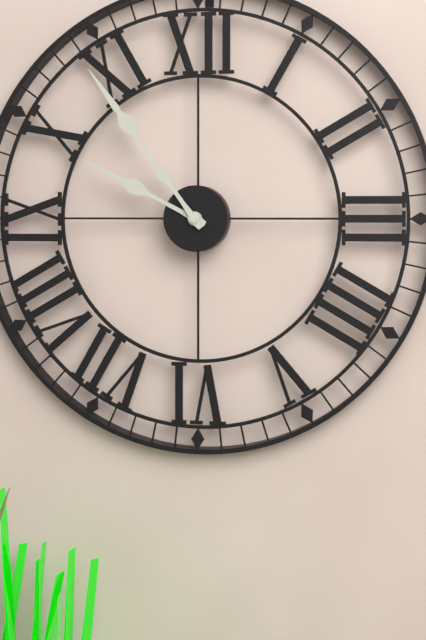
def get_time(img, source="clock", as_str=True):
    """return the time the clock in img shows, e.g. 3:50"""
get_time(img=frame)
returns 9:54
